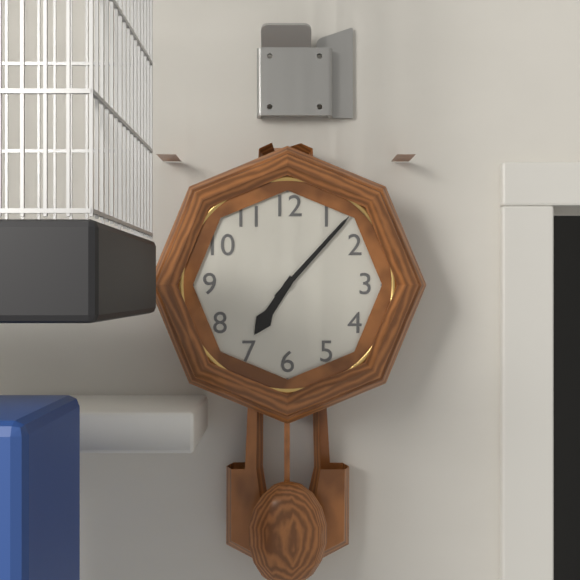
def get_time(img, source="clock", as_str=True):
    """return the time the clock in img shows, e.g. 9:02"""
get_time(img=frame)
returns 7:07
